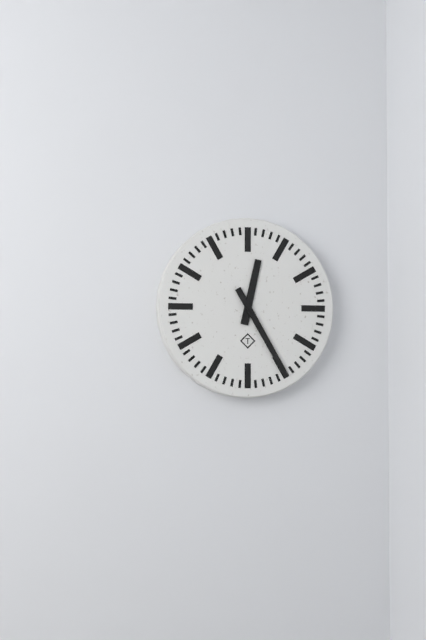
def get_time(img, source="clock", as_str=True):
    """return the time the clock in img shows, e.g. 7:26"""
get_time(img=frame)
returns 12:25
